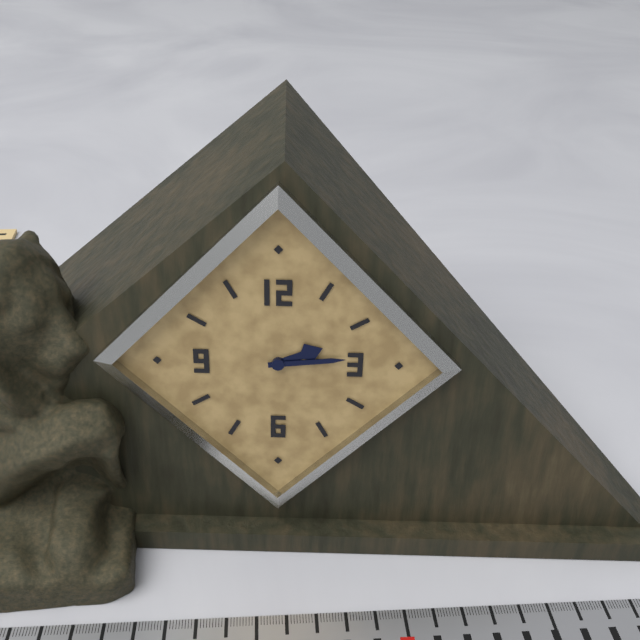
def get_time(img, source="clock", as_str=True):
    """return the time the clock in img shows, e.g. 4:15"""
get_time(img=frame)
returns 2:14
